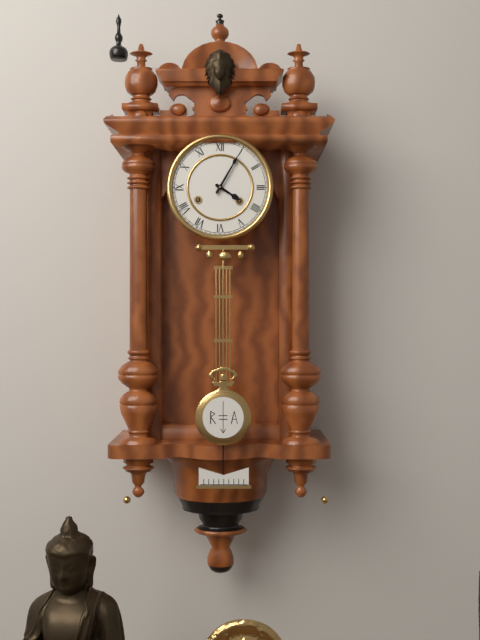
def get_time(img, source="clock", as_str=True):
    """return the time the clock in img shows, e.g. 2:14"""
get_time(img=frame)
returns 4:05
